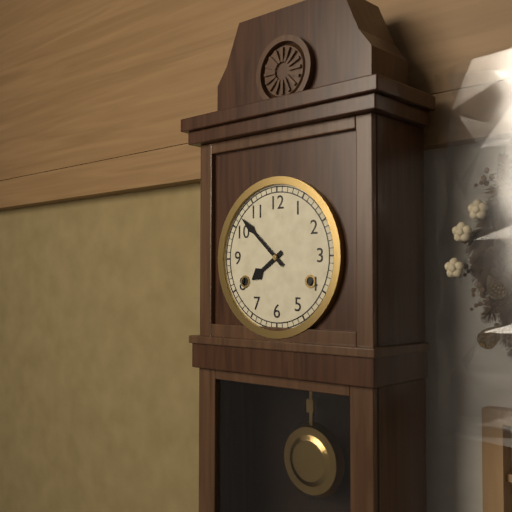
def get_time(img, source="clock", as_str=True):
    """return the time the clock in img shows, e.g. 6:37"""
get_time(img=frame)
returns 7:52
